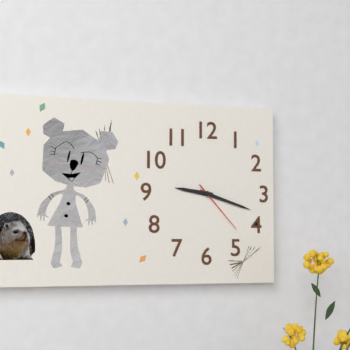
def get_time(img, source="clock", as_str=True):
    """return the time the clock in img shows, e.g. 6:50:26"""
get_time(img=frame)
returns 9:18:23
